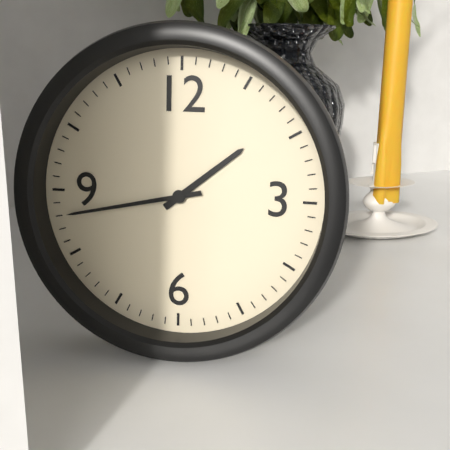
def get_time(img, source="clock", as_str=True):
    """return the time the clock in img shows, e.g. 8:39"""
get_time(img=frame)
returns 1:43
